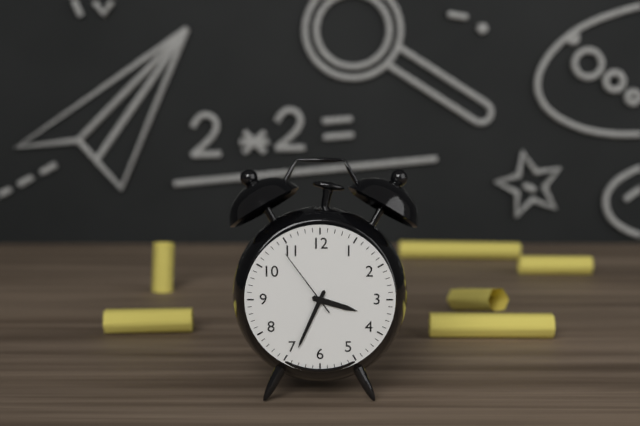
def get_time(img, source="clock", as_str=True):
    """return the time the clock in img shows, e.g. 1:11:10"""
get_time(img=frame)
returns 3:34:54
